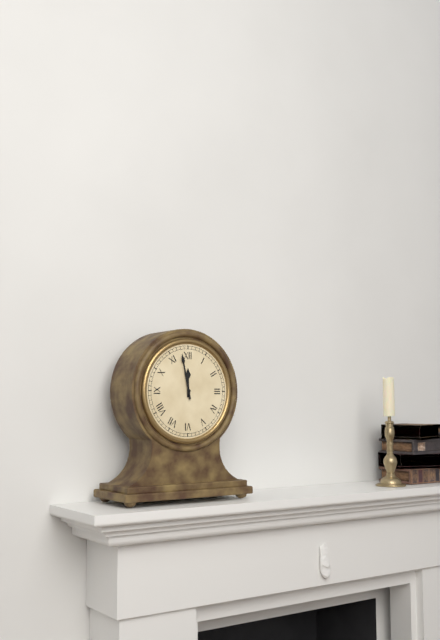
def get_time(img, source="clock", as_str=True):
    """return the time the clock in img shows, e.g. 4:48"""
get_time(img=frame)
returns 11:58
